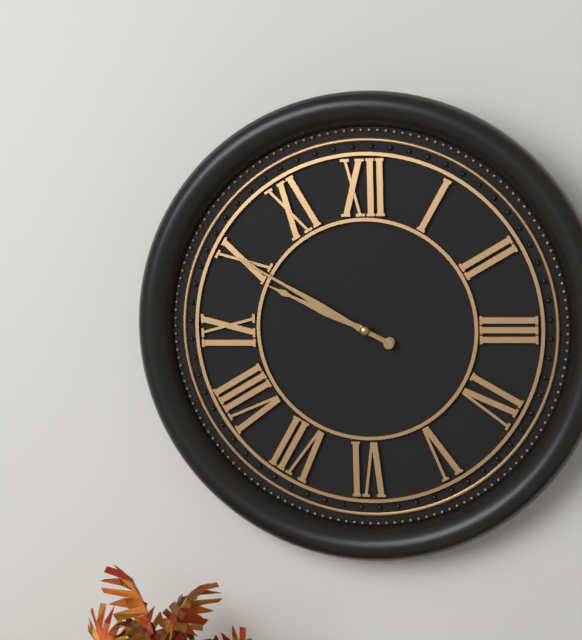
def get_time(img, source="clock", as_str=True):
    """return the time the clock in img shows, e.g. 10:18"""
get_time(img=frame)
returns 9:50
